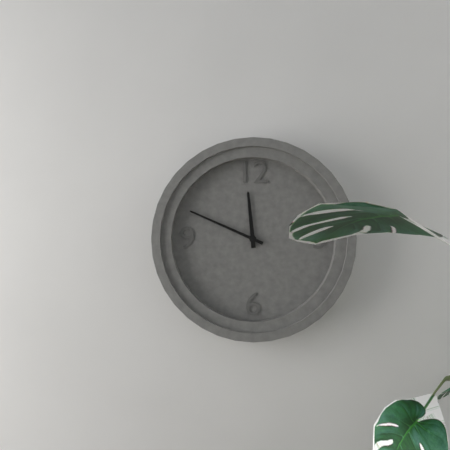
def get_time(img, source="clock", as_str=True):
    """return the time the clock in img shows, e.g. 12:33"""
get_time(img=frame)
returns 11:49
